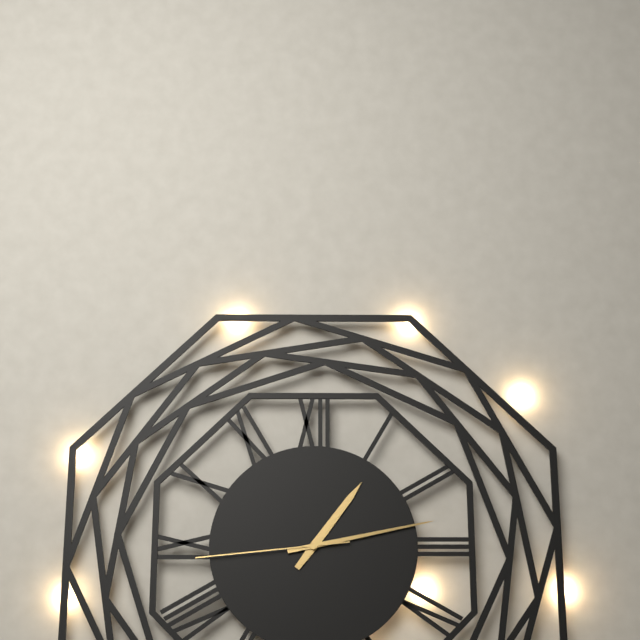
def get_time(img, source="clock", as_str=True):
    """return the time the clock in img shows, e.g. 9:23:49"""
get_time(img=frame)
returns 1:13:44
